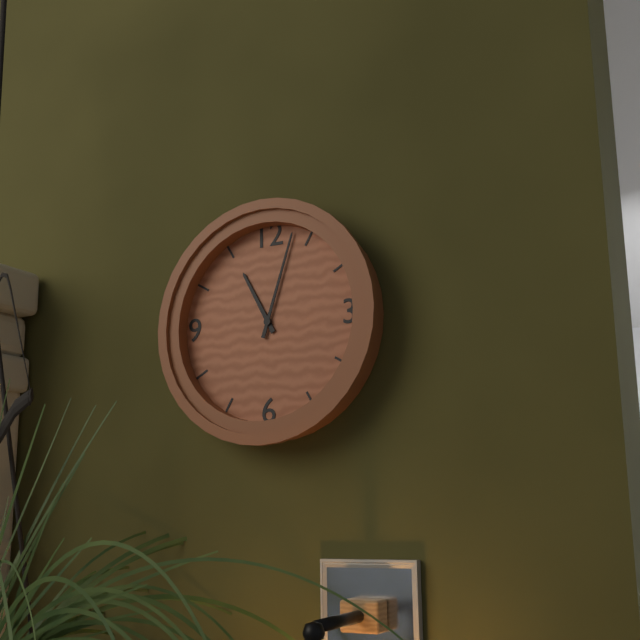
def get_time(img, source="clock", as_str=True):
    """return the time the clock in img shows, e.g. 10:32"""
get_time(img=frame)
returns 11:03
